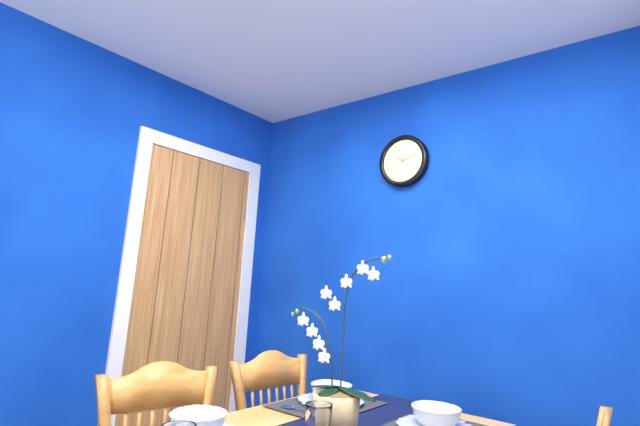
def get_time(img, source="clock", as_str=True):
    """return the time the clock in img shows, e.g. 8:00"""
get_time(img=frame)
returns 10:12
